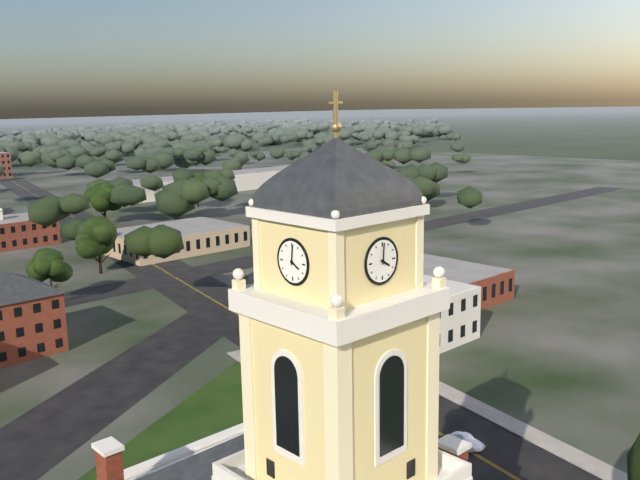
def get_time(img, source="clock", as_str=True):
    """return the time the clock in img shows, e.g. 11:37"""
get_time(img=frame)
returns 4:01
